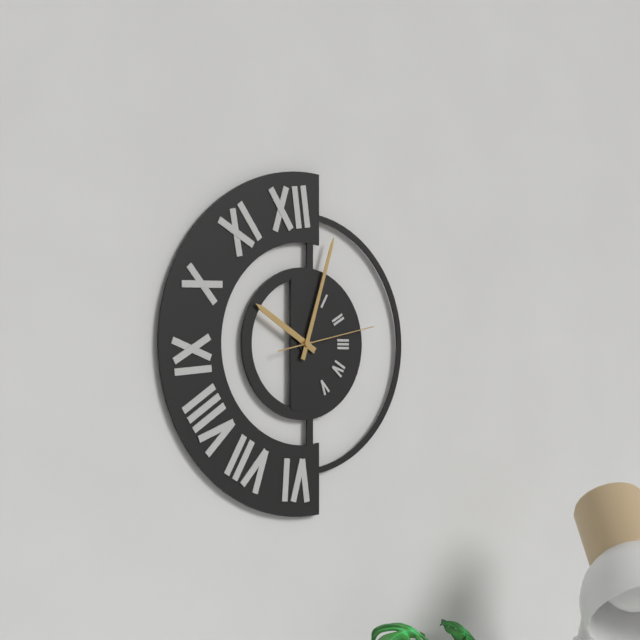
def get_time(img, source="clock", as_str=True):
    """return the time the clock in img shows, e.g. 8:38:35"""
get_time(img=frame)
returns 10:03:13
